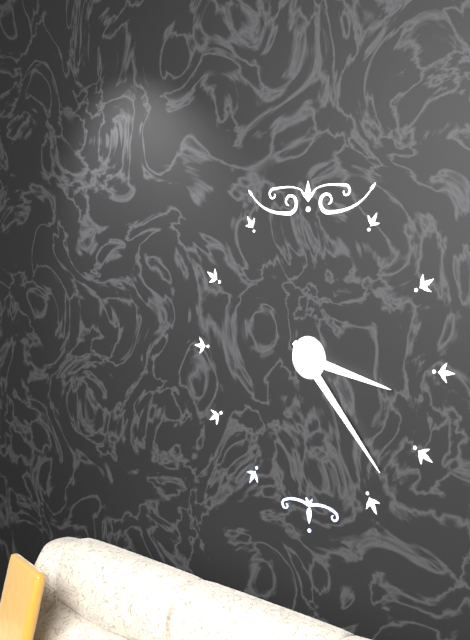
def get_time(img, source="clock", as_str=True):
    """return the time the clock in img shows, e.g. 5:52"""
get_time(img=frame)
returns 3:23
